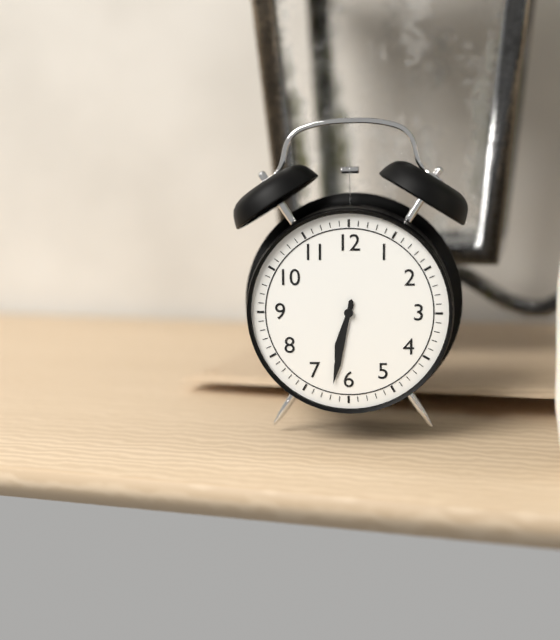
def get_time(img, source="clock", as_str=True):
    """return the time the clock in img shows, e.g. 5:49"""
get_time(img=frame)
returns 6:32
